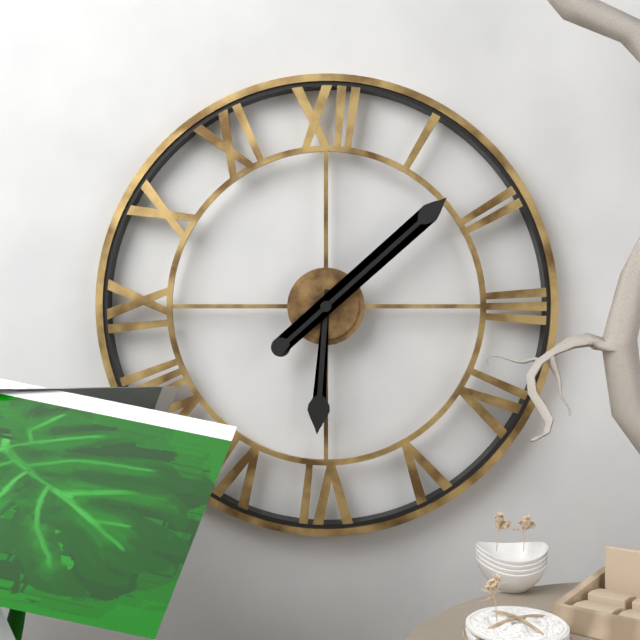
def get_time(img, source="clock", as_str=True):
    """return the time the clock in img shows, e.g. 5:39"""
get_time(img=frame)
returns 6:08
